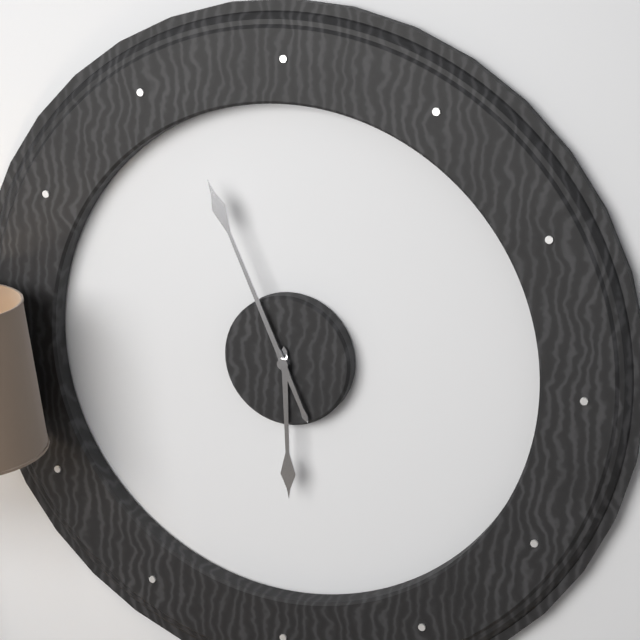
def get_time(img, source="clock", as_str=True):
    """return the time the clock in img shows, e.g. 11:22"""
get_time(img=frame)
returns 5:56
